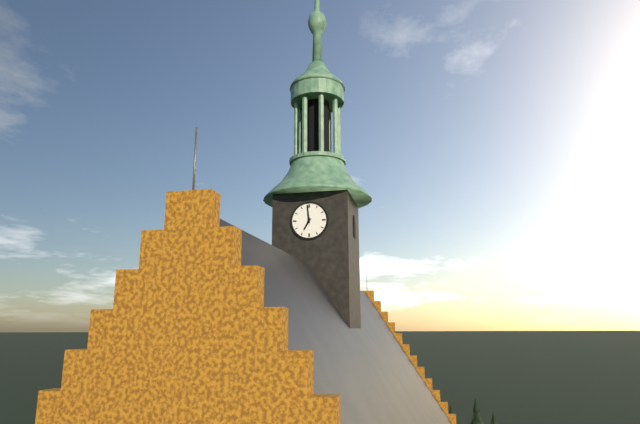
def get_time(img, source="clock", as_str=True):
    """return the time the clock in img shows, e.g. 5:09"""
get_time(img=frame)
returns 6:59
